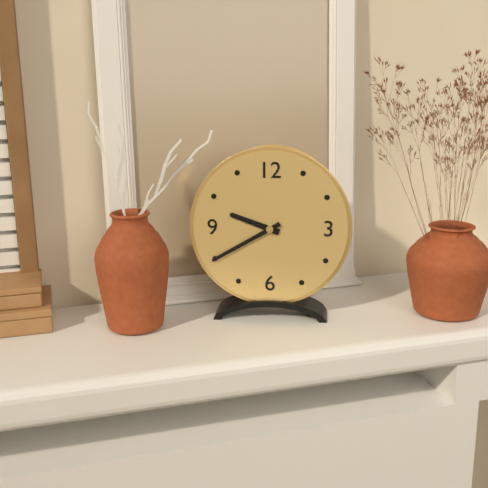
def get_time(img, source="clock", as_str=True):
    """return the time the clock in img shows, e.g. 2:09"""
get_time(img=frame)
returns 9:40
